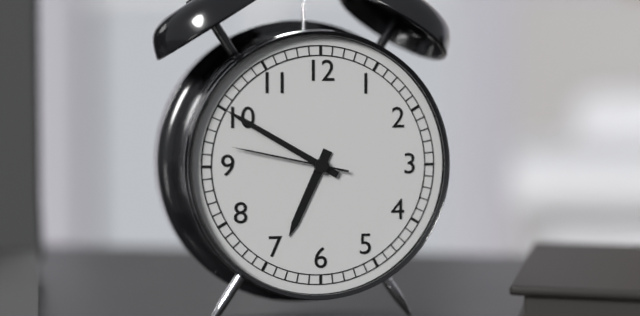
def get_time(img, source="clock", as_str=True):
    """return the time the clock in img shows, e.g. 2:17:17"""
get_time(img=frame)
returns 6:50:47
